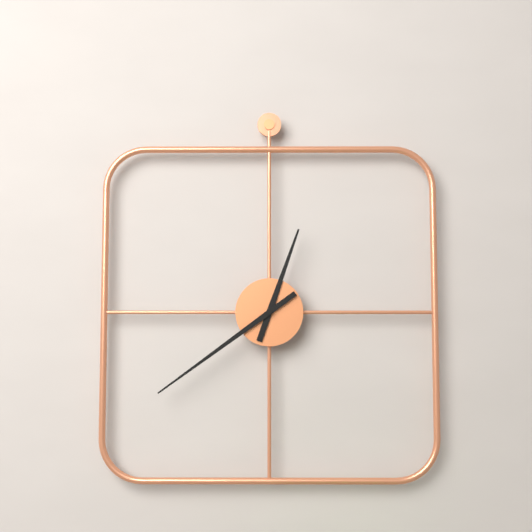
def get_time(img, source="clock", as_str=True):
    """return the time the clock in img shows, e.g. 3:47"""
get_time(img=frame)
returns 12:39
